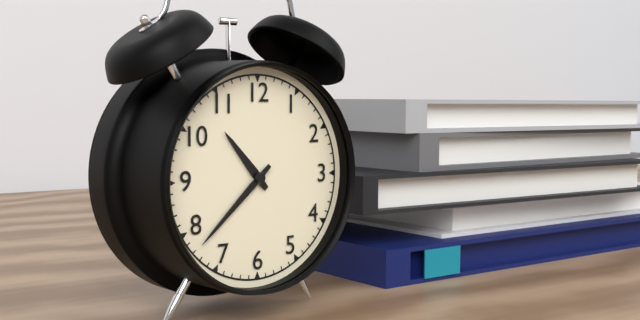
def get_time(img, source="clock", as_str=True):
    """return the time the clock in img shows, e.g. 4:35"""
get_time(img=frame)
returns 10:38
